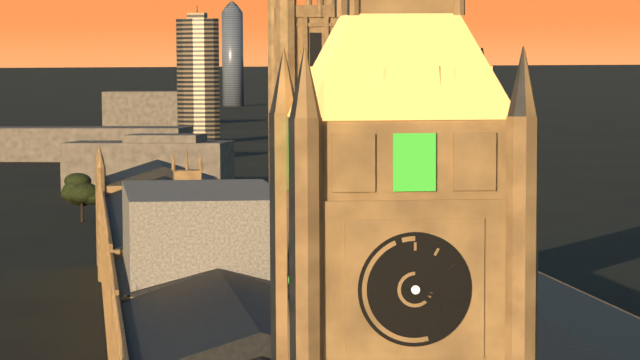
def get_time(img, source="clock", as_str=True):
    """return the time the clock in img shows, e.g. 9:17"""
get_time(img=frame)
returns 4:18
